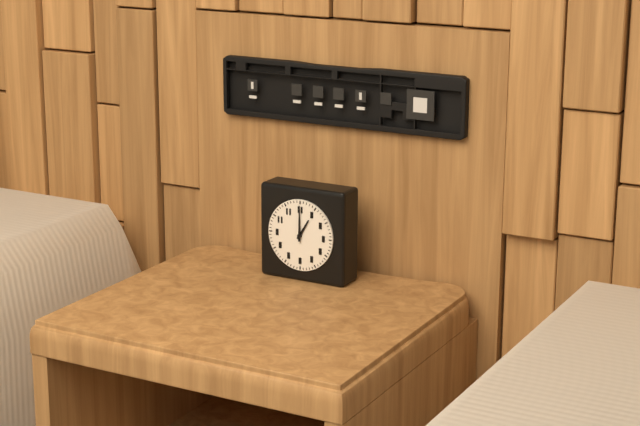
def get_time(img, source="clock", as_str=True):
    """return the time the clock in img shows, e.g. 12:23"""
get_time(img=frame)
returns 1:00
